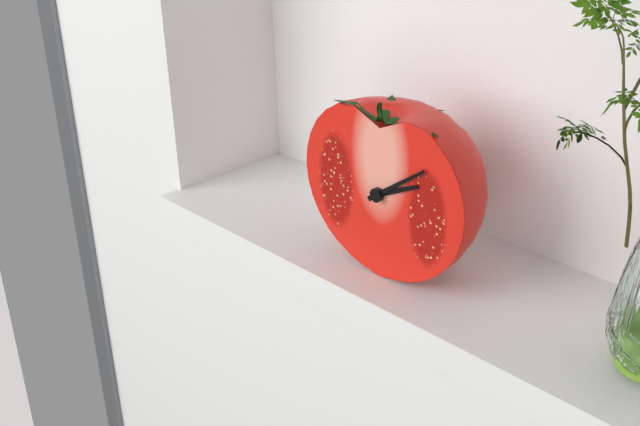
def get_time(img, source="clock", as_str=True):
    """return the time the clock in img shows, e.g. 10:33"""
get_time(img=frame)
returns 2:09
